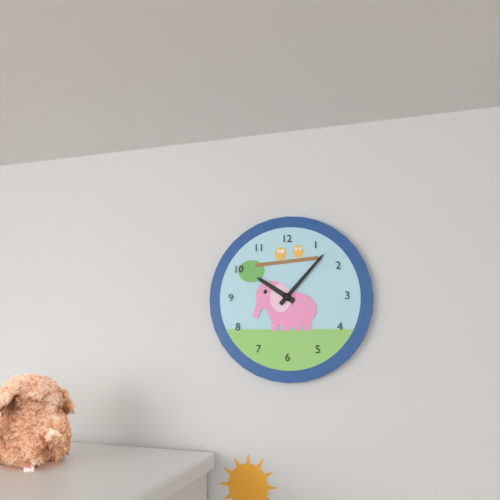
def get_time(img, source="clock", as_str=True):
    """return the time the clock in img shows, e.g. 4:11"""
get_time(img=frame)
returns 10:07
